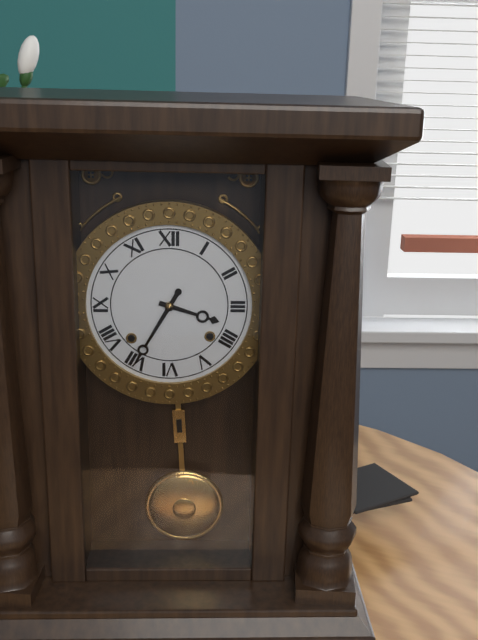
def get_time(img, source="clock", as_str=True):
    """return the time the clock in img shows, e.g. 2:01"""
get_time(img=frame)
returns 3:35
